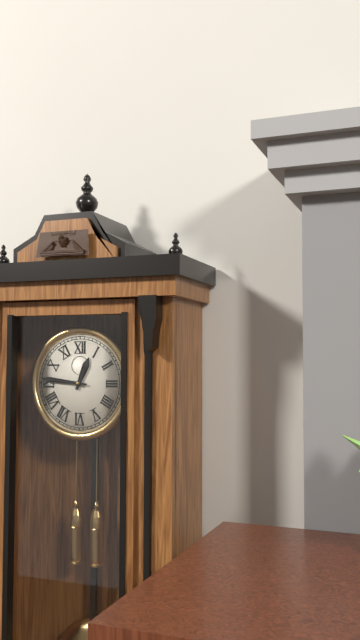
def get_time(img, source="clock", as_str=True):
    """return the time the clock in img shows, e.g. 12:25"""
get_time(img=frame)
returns 12:46
